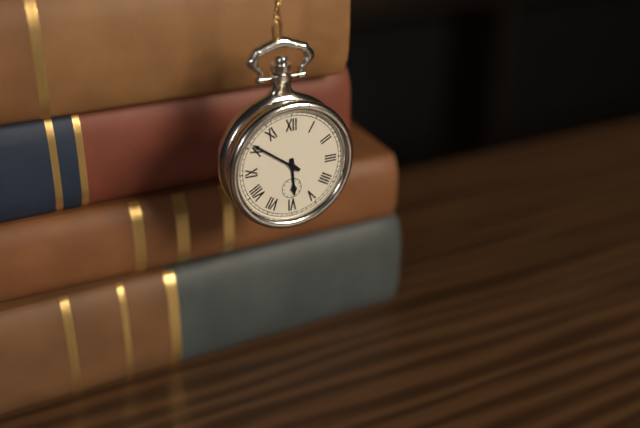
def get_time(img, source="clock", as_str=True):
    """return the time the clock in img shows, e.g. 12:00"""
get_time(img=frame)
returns 5:51
